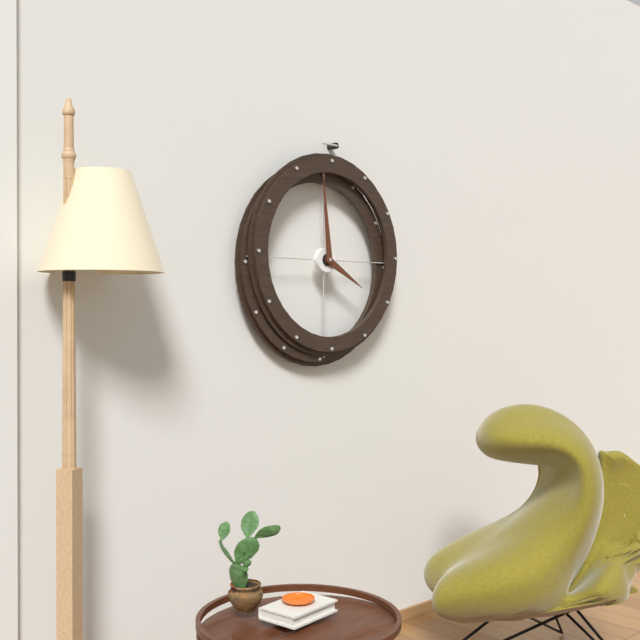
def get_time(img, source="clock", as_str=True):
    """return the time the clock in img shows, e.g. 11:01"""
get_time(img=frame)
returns 3:59
